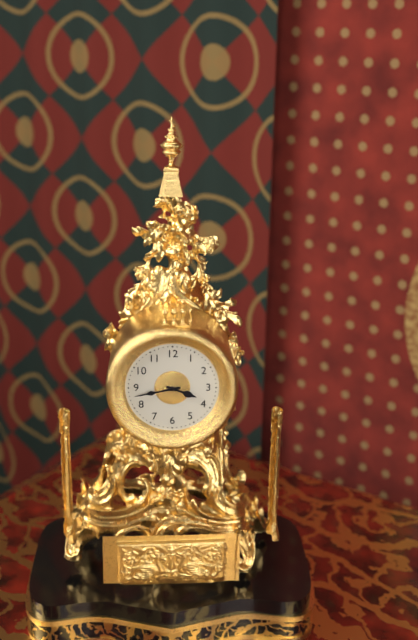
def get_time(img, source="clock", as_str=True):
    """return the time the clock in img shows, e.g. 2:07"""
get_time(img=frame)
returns 3:43
